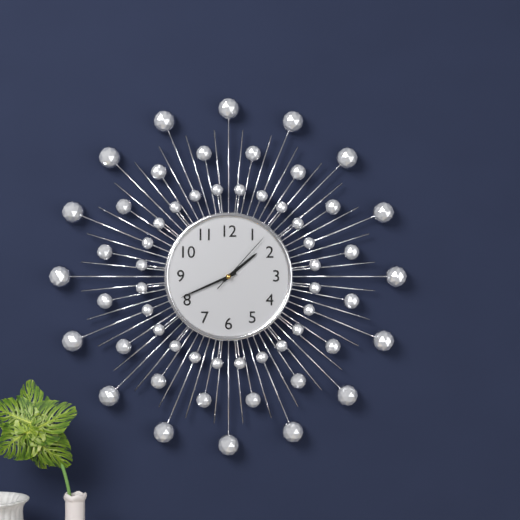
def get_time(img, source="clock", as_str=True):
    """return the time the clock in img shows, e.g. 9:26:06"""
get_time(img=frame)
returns 1:41:07
